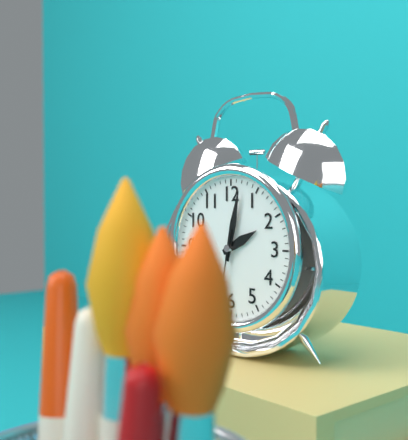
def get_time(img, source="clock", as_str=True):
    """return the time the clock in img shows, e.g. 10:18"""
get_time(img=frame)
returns 2:02
